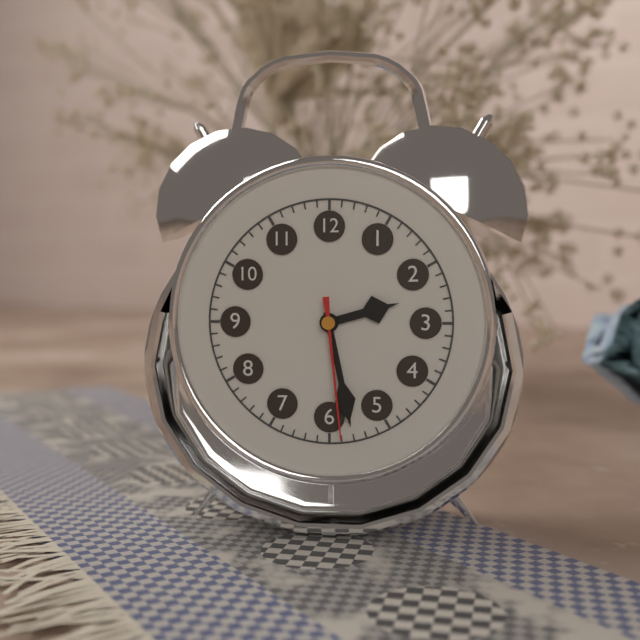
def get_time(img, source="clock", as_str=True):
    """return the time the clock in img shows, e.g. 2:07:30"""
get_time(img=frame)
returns 2:28:29
